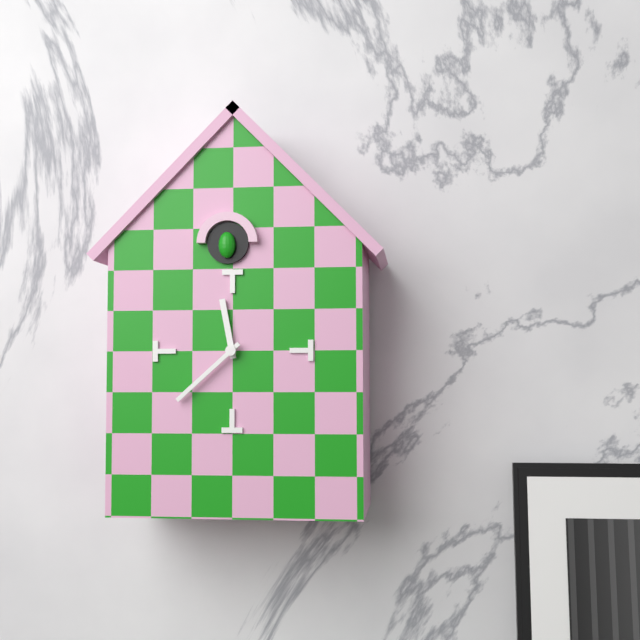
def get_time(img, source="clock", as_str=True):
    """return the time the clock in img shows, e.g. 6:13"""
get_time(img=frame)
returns 11:38
